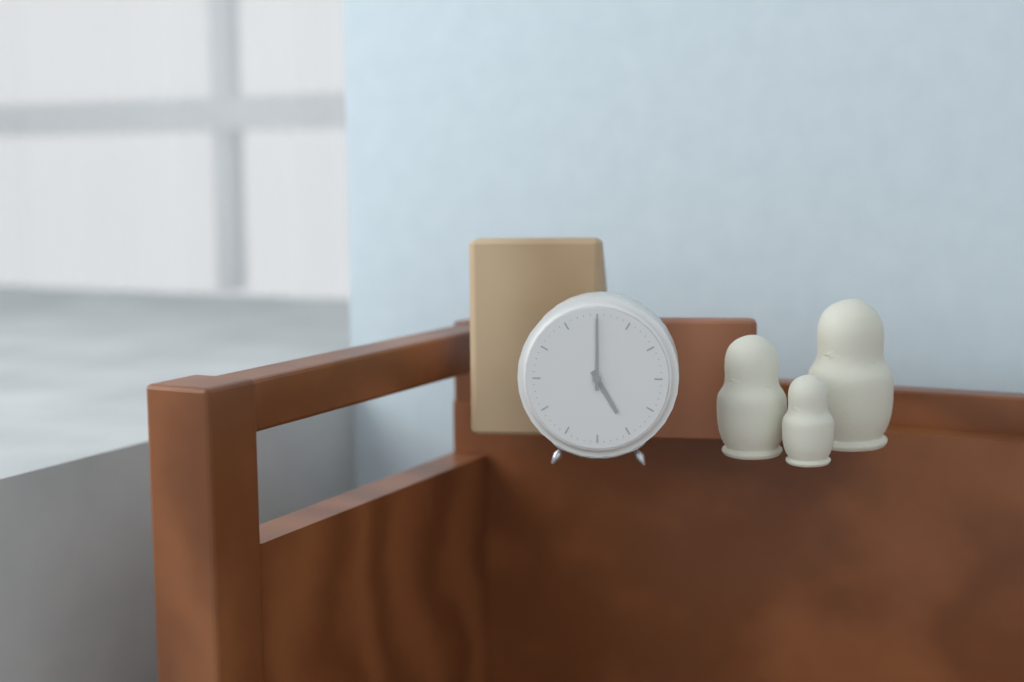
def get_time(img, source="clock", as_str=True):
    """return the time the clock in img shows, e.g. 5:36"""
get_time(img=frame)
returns 5:00
